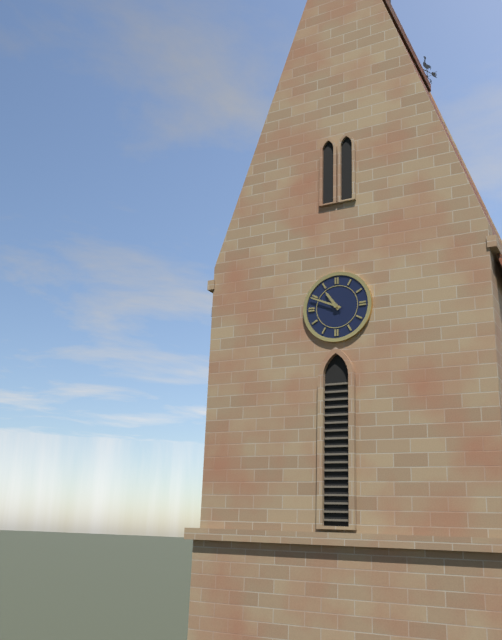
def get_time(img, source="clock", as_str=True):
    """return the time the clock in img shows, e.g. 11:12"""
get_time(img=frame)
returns 10:49
